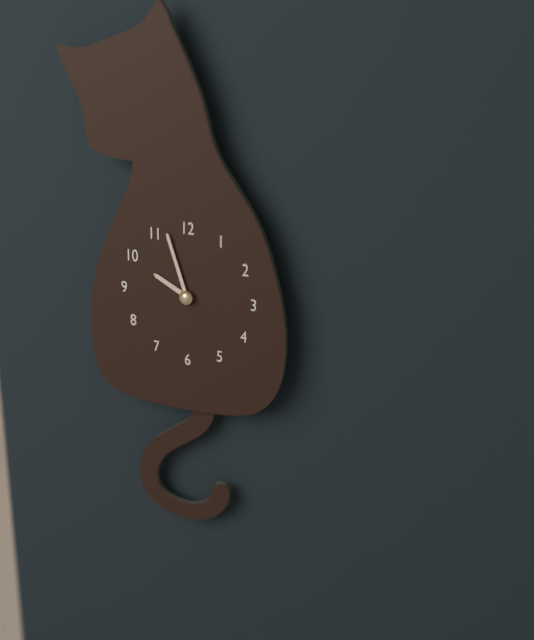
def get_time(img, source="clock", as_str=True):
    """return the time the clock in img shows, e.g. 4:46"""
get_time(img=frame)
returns 9:57
